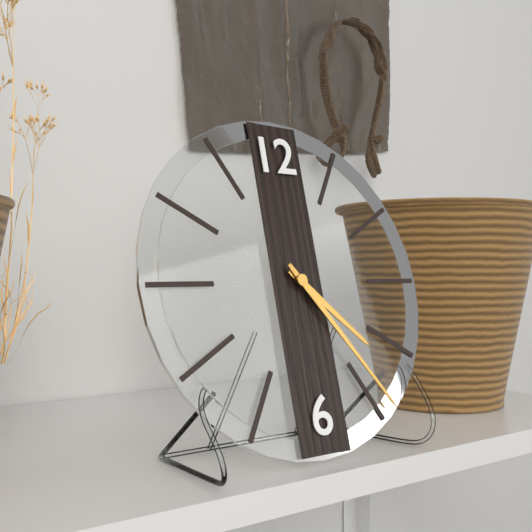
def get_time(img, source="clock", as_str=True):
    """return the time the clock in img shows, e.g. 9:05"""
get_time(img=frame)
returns 4:24
